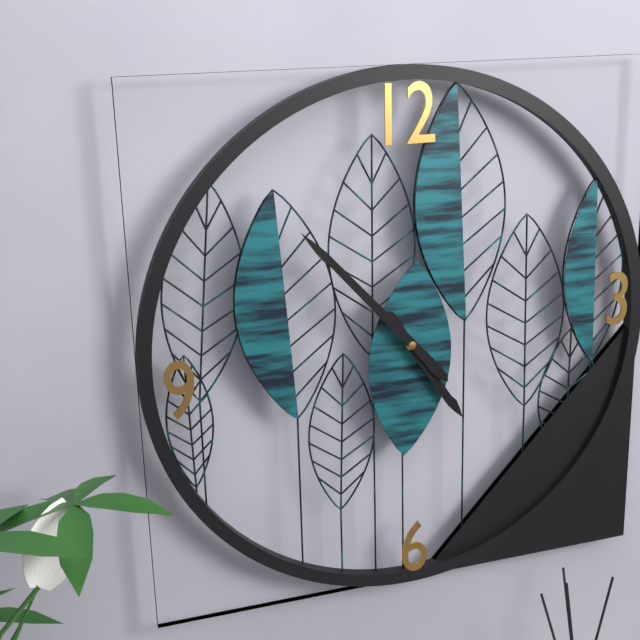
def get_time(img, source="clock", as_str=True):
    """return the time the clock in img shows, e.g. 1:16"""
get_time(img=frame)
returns 4:53
